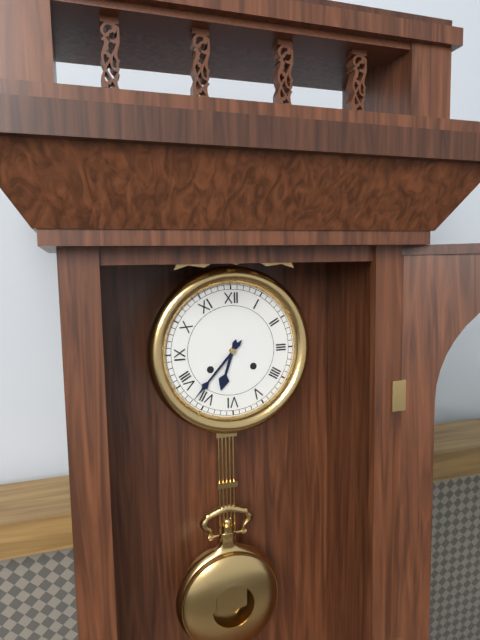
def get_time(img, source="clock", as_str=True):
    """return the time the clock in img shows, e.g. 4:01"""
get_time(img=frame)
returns 6:37
